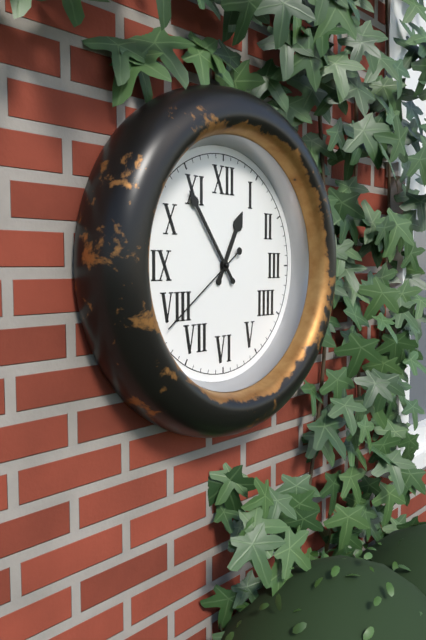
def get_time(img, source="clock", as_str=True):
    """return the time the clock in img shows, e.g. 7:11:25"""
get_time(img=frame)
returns 12:54:39
